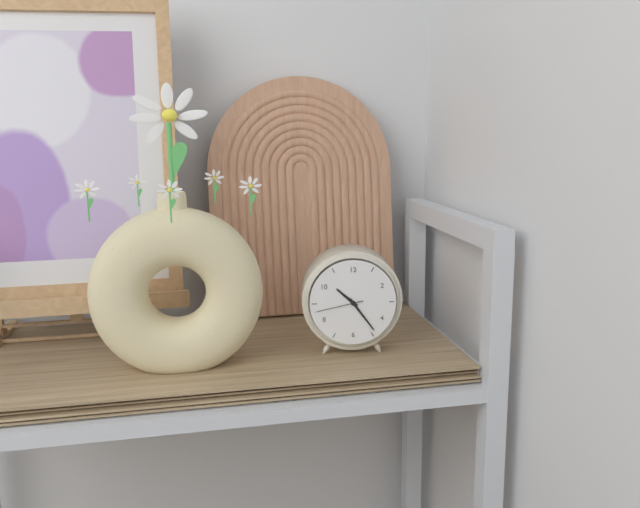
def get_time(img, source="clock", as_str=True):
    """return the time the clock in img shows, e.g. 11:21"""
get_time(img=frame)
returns 10:24
